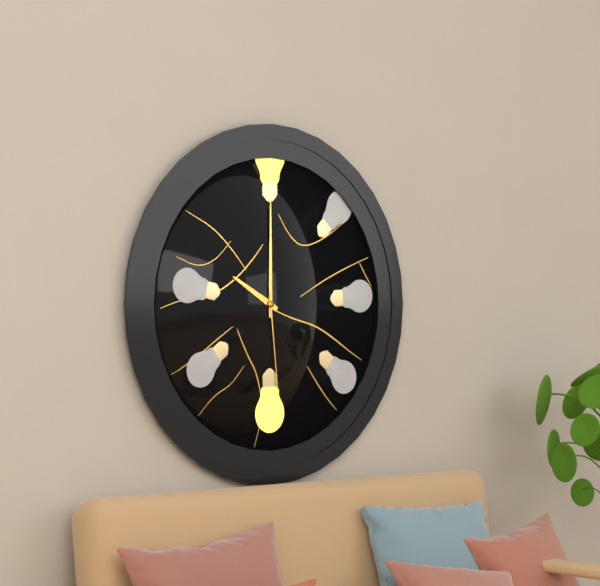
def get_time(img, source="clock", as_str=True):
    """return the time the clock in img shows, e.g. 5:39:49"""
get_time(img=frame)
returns 10:00:29
